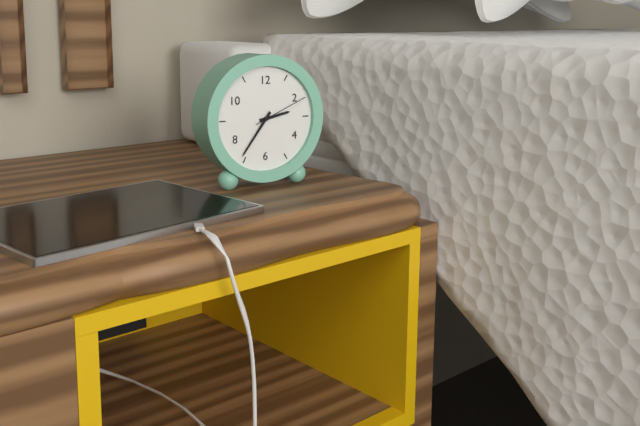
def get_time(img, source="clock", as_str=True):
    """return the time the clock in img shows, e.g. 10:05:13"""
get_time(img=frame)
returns 2:36:11
